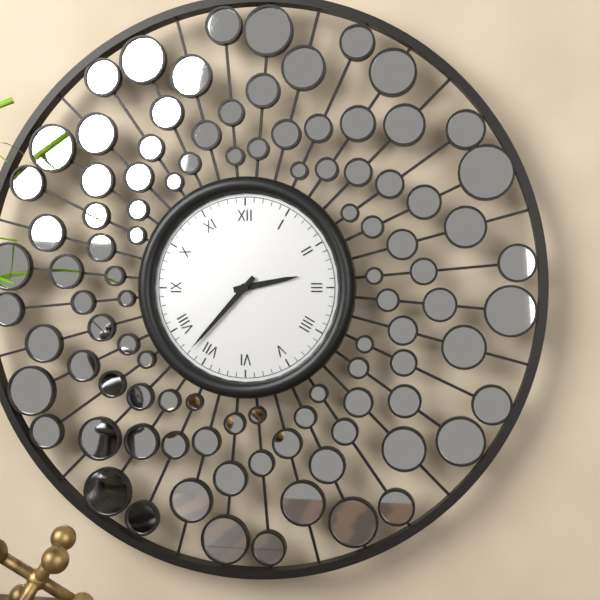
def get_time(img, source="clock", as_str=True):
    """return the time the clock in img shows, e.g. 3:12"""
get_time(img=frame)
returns 2:37
